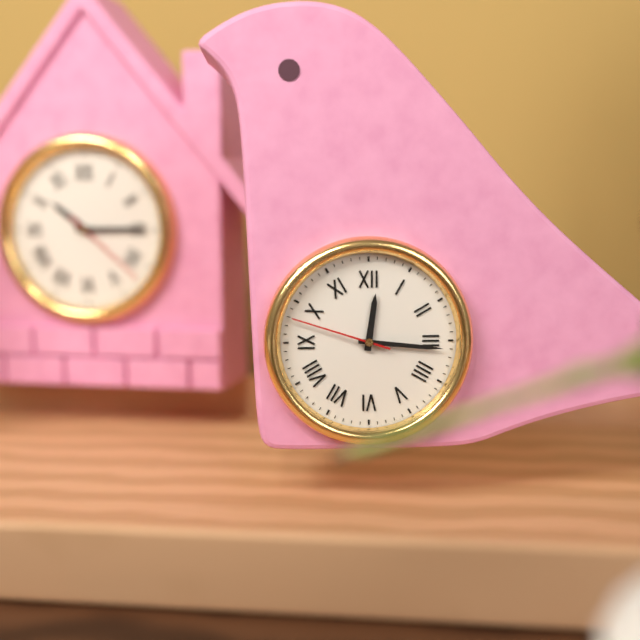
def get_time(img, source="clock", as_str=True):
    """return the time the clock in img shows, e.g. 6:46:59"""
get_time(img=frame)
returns 12:16:48
